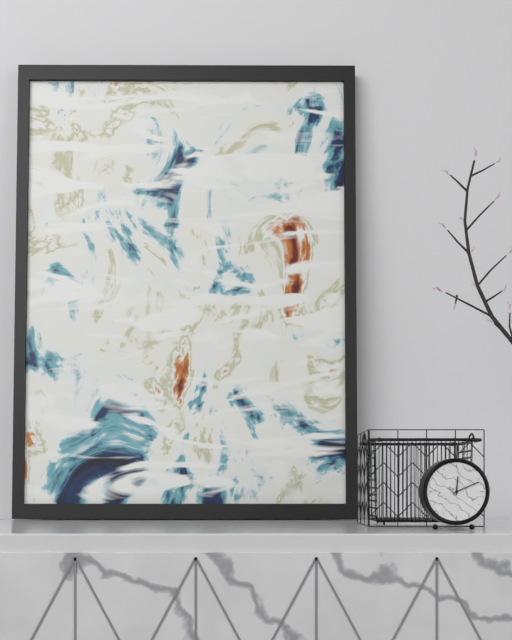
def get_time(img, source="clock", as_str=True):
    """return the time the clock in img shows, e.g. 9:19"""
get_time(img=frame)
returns 12:11
